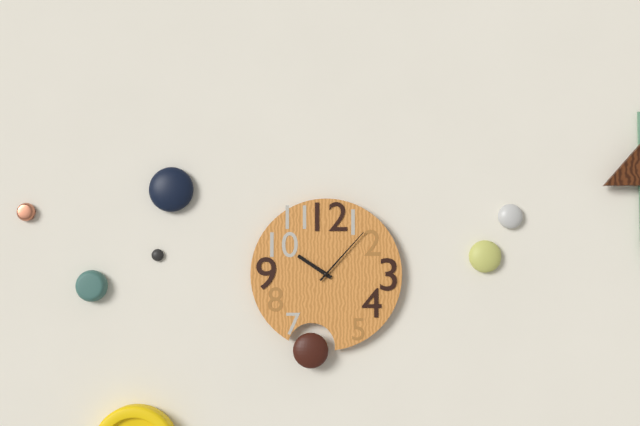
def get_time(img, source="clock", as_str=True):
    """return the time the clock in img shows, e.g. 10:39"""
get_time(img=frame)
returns 10:07
